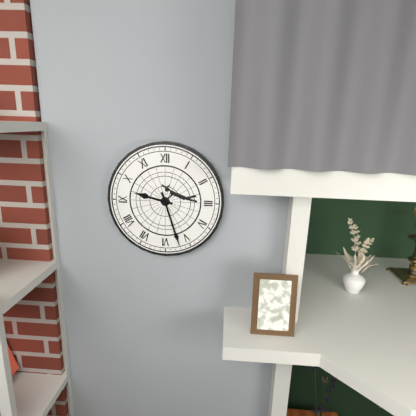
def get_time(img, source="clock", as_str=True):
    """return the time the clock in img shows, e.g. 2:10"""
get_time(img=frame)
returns 9:27
